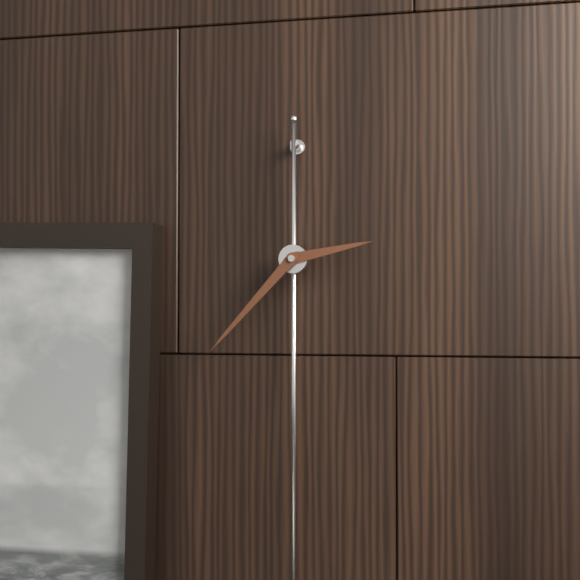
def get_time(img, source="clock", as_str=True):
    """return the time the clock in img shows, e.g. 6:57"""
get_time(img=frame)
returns 2:37
